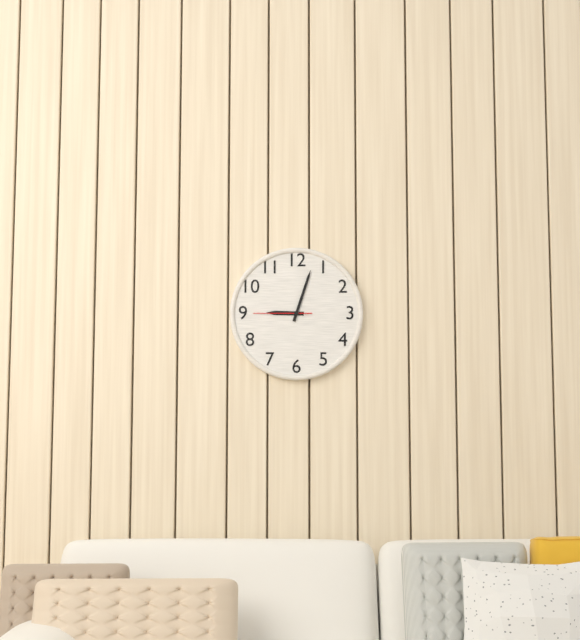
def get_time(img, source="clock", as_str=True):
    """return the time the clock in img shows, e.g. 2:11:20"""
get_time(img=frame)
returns 9:03:45
